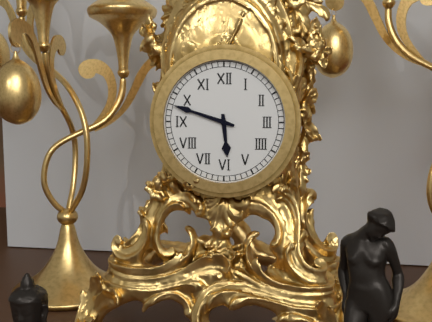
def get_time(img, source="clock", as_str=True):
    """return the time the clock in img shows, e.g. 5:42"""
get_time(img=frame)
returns 5:48
